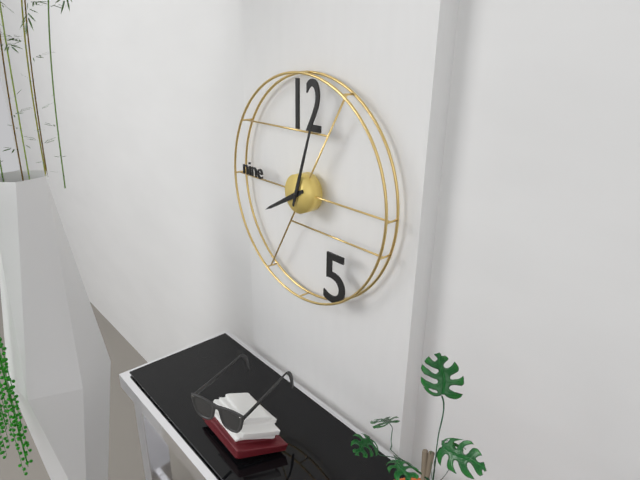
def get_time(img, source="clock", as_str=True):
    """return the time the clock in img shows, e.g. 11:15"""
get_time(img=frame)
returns 8:03
